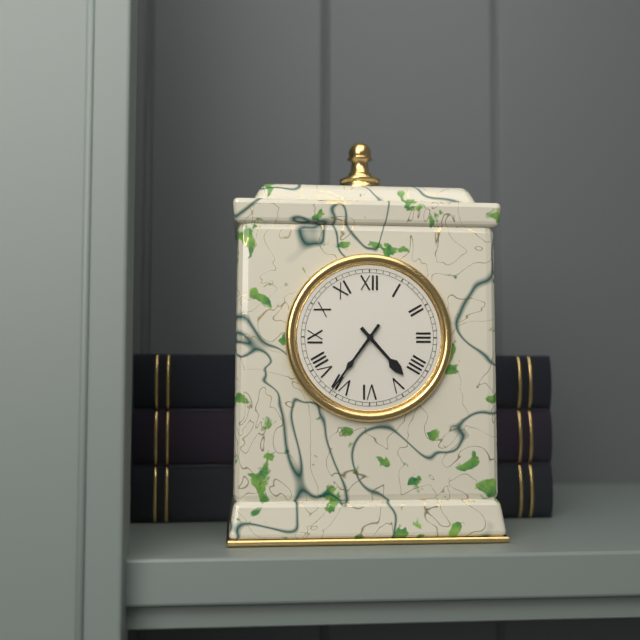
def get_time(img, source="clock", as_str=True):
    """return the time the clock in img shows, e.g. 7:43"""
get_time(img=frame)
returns 4:36
